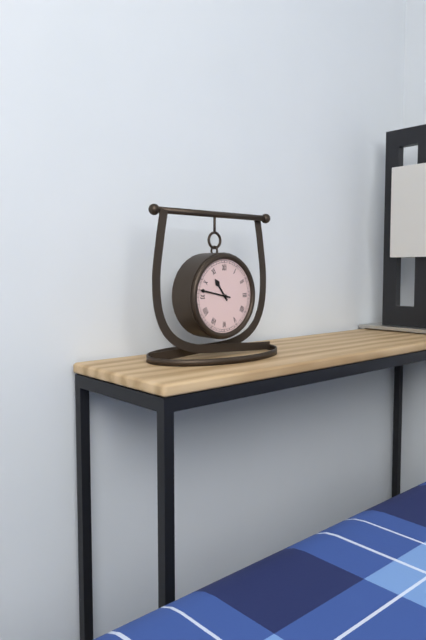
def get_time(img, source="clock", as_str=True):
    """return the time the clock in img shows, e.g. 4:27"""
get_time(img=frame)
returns 10:47
